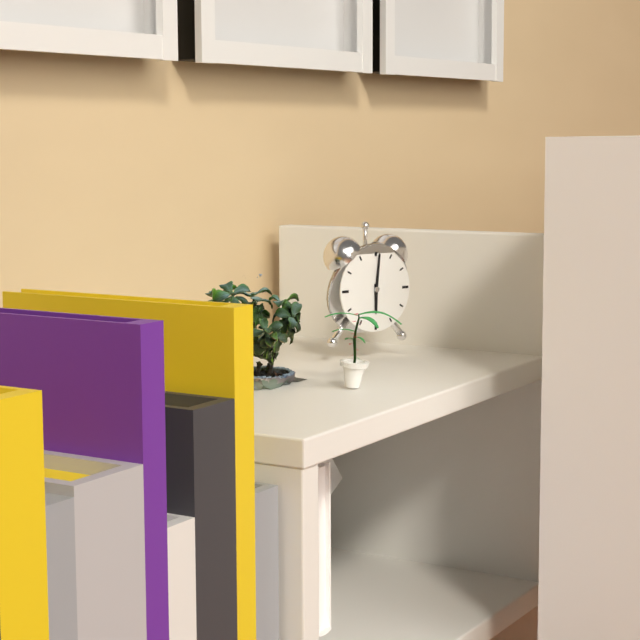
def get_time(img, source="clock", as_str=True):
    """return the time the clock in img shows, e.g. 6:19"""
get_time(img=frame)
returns 6:01
